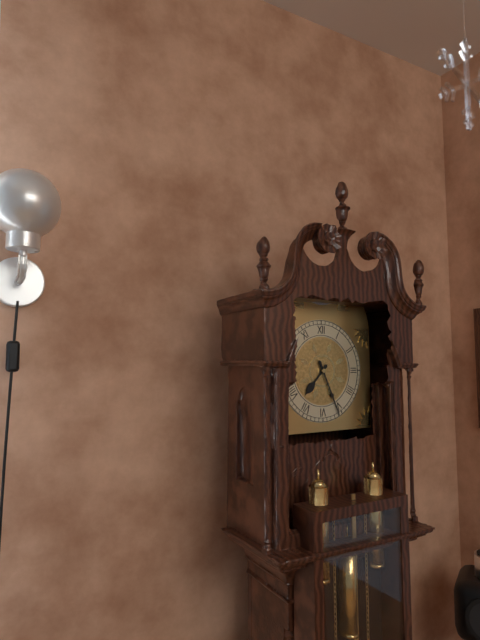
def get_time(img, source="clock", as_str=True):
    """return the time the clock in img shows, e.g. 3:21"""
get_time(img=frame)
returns 7:26
